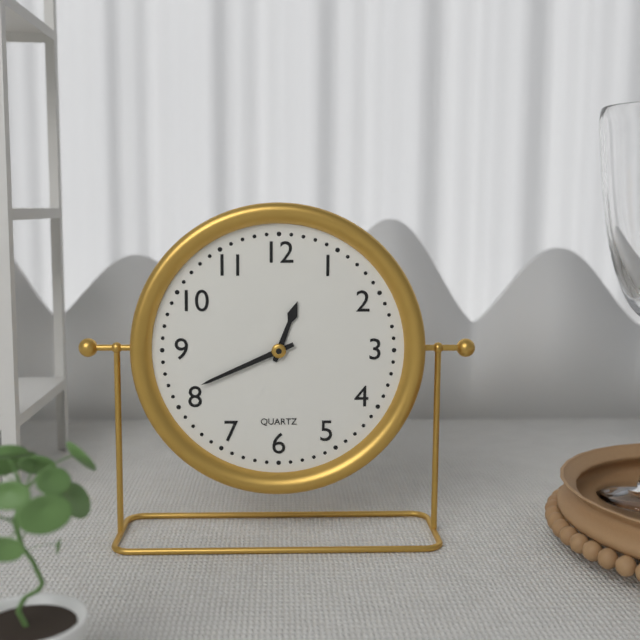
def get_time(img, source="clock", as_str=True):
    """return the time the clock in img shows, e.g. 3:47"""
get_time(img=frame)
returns 12:41
